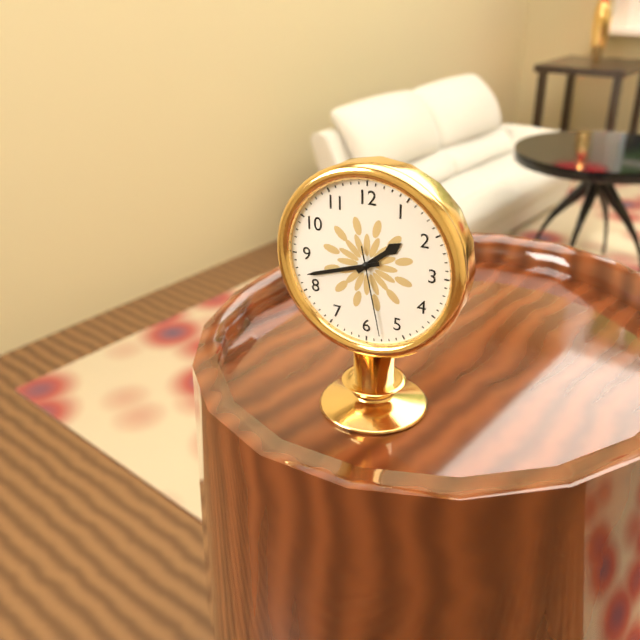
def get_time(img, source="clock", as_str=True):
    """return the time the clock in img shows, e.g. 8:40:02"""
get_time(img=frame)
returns 1:42:28
